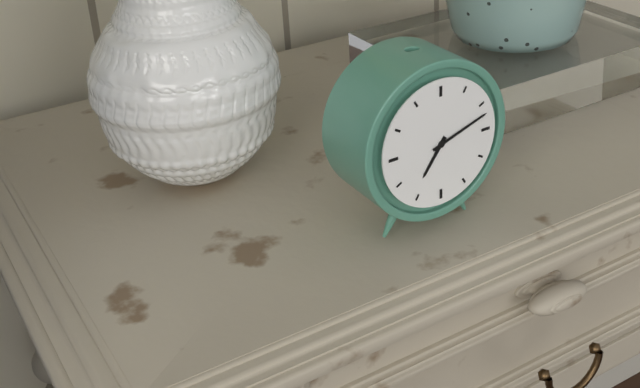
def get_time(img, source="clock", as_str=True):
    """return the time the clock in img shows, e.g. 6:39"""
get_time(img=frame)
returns 7:12
